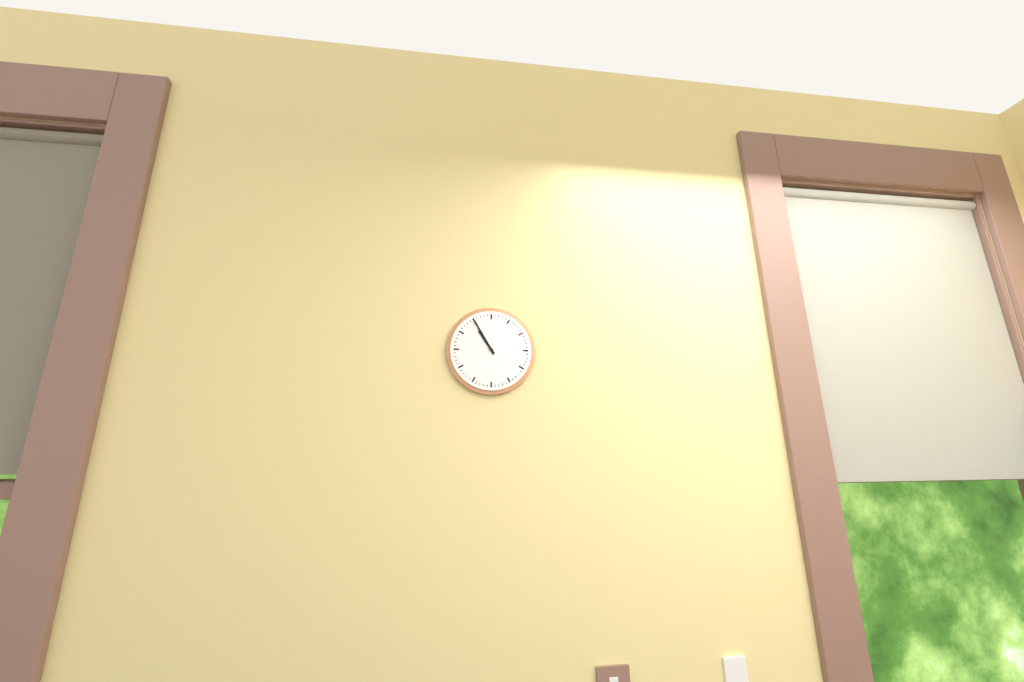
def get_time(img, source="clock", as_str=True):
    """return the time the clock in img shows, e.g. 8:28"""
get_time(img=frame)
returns 10:55
